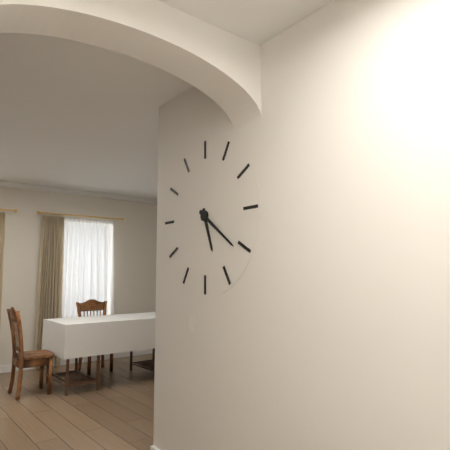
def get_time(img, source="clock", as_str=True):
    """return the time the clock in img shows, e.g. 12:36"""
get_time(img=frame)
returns 5:21
